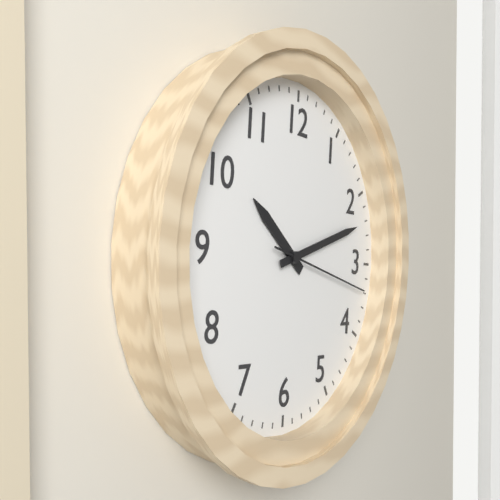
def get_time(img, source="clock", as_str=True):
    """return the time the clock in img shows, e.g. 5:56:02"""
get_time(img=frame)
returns 10:12:17
